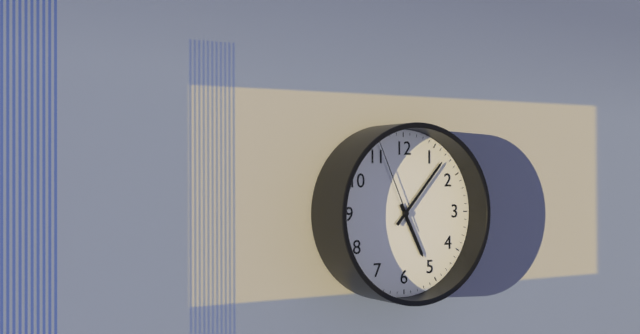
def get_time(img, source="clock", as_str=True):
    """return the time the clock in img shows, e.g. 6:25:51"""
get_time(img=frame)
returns 5:07:56
